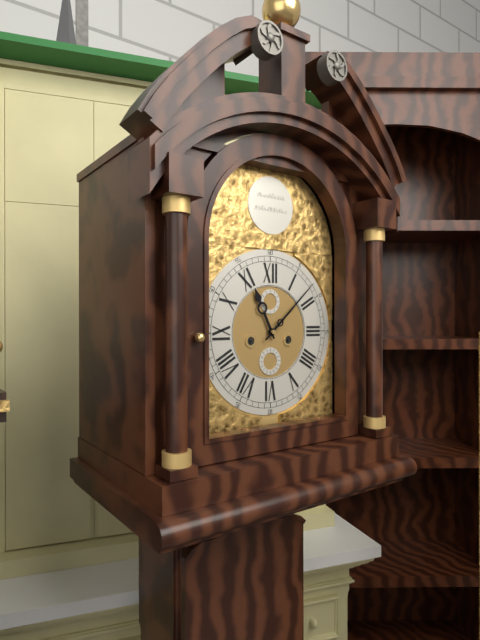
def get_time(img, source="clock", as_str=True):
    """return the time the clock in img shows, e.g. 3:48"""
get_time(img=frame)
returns 11:08
